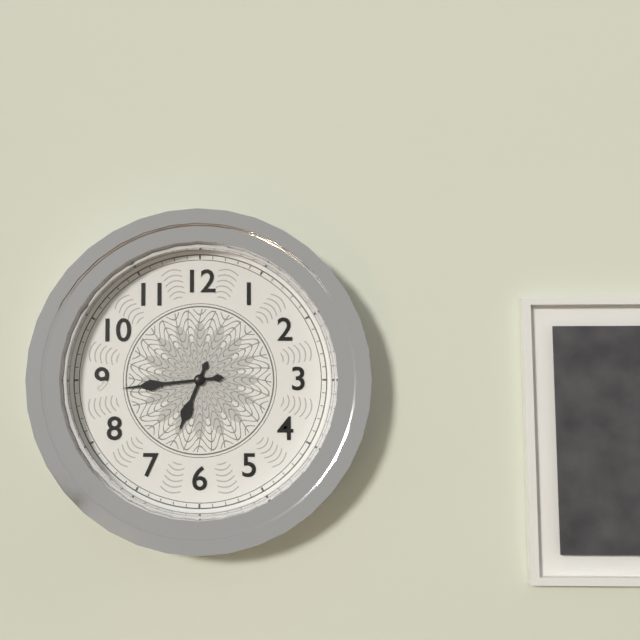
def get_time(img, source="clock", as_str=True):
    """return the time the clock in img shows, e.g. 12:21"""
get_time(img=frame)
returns 6:44
